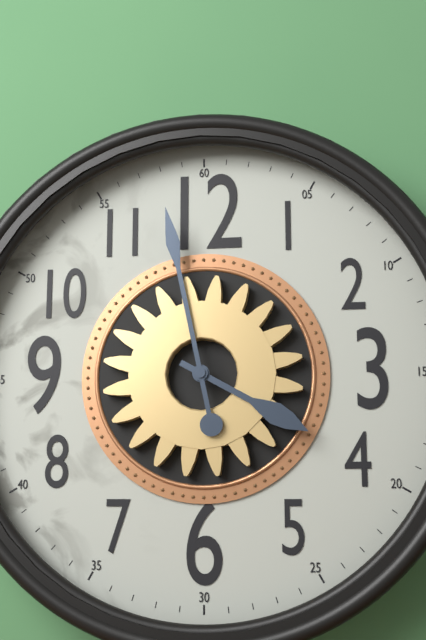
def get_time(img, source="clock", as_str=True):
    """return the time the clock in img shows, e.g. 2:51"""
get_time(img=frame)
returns 3:58
